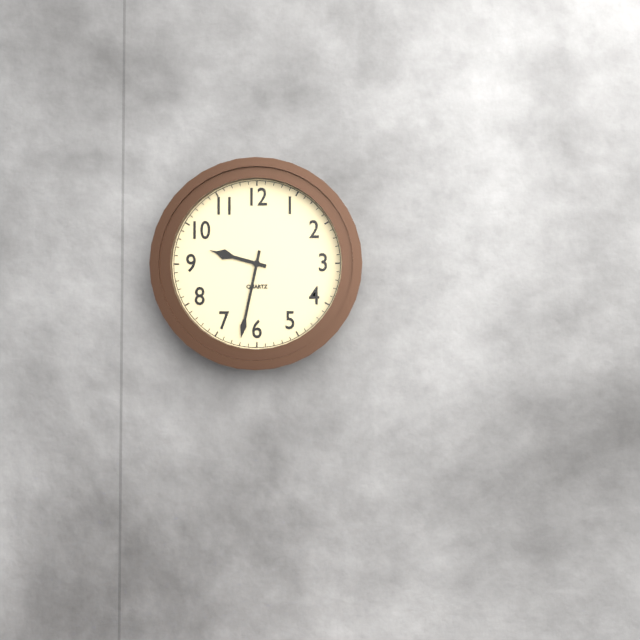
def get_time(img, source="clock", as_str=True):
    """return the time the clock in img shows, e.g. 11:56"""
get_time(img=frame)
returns 9:32
